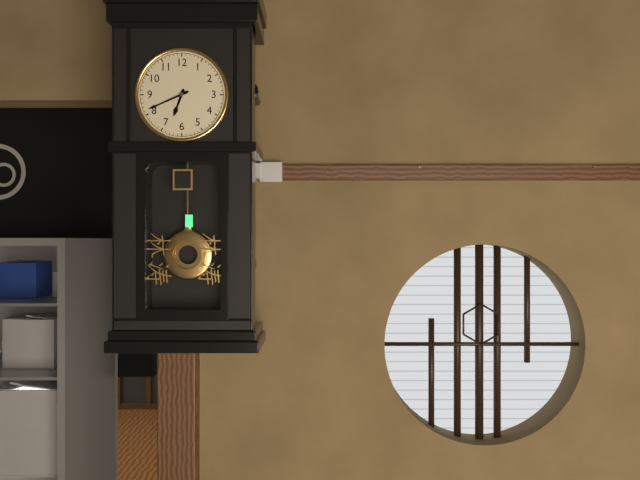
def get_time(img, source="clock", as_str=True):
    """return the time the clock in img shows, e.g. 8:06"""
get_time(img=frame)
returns 6:41
